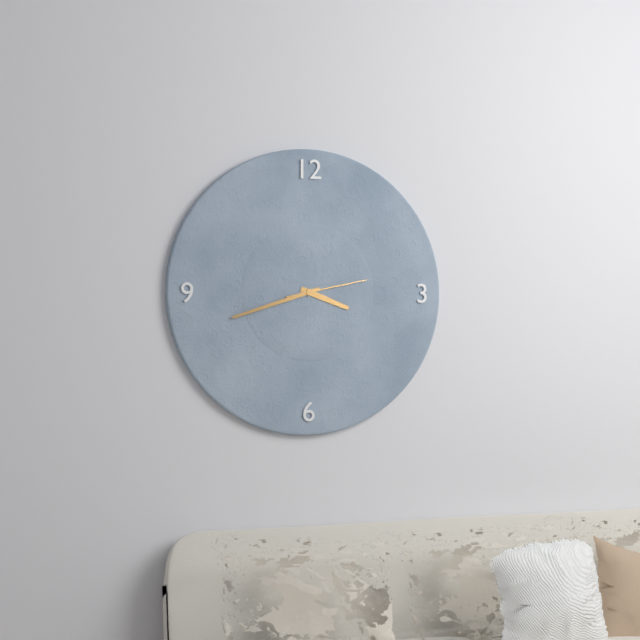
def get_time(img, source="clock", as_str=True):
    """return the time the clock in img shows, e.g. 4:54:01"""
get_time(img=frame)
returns 3:42:13
